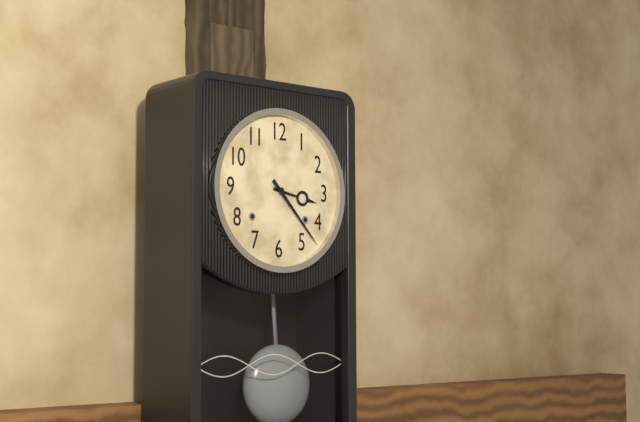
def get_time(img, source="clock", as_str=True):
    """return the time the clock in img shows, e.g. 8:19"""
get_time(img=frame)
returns 3:23
